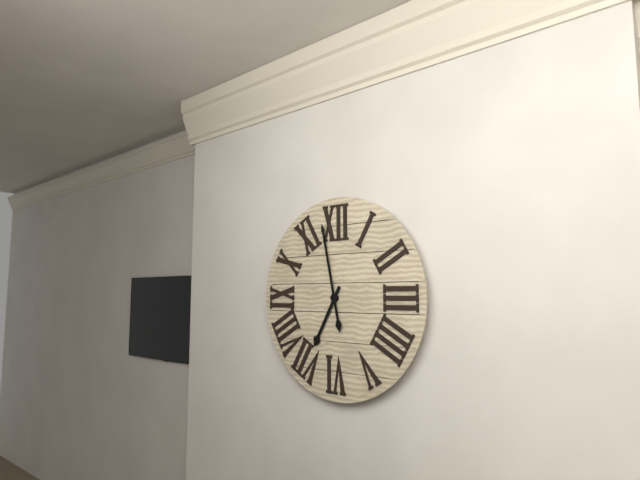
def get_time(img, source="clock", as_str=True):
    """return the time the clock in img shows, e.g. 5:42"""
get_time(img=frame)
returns 6:58
